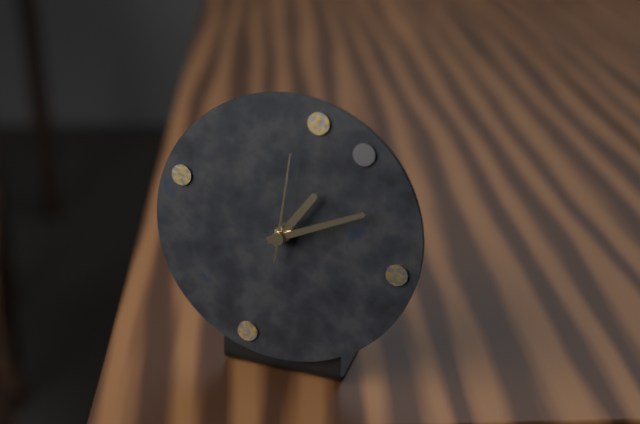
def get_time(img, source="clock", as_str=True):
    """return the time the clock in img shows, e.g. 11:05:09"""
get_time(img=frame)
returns 1:11:01
